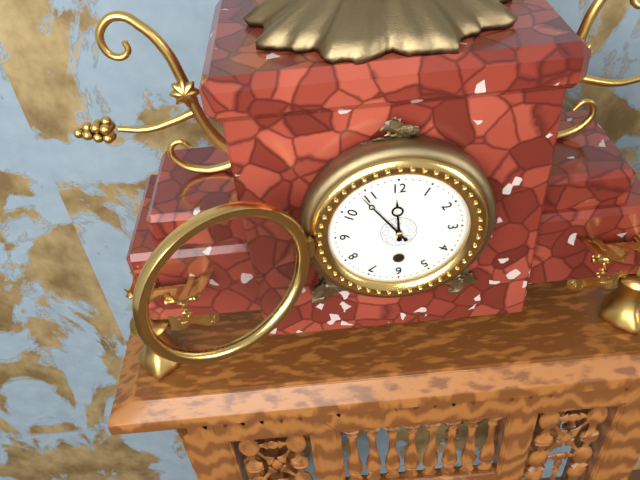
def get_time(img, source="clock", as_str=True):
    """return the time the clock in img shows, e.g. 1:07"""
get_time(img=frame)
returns 11:54
